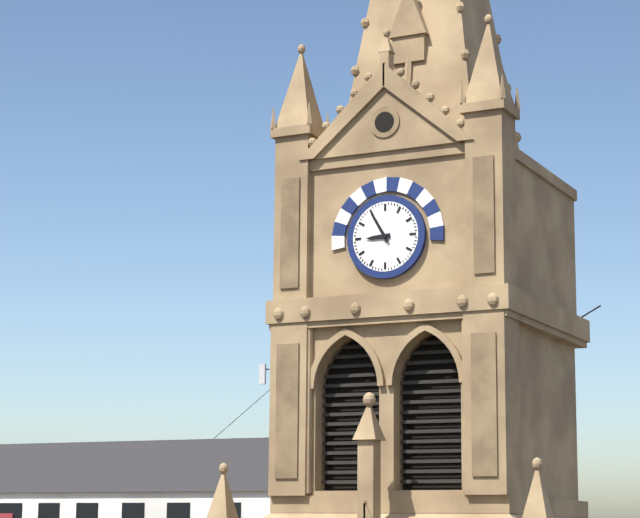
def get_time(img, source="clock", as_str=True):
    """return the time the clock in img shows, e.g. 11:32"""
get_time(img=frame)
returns 8:55
